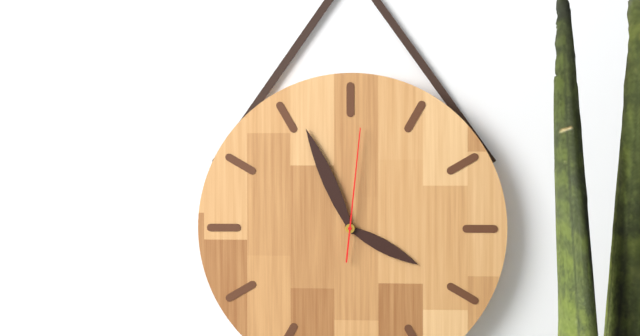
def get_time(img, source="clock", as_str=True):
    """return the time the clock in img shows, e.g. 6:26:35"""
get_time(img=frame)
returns 3:56:01
